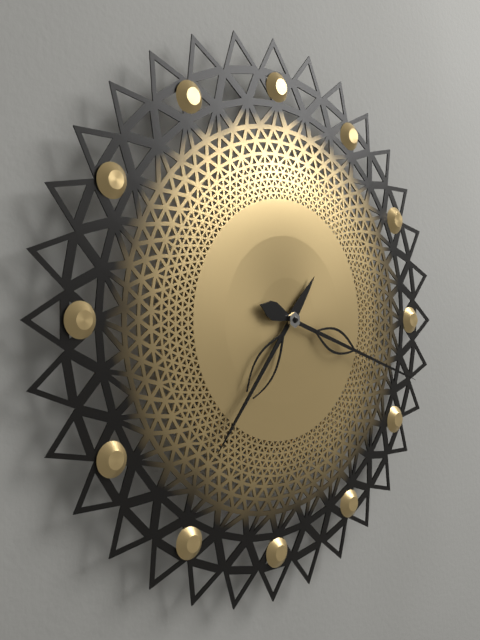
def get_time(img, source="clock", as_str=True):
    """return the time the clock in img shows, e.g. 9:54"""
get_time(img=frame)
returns 7:18
